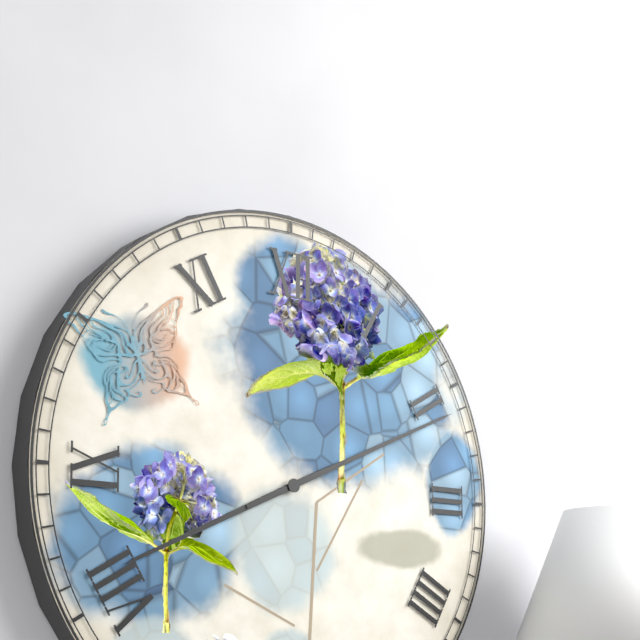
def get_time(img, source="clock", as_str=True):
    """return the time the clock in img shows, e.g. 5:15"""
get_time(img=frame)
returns 8:11
